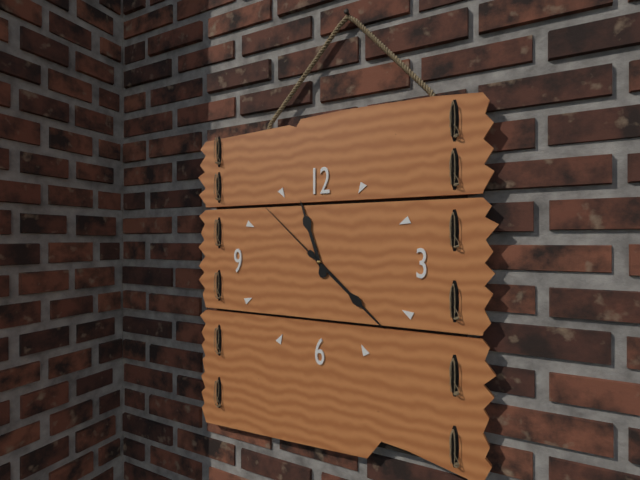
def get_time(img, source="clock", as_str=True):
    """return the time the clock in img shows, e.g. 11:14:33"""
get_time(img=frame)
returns 11:22:52
